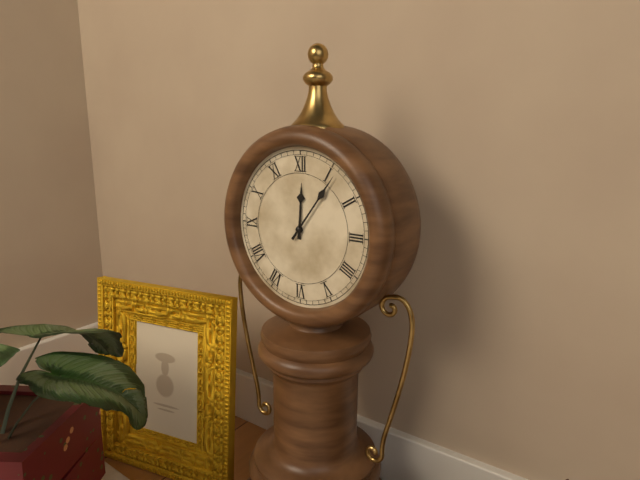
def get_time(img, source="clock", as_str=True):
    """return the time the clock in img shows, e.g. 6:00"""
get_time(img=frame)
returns 12:06
